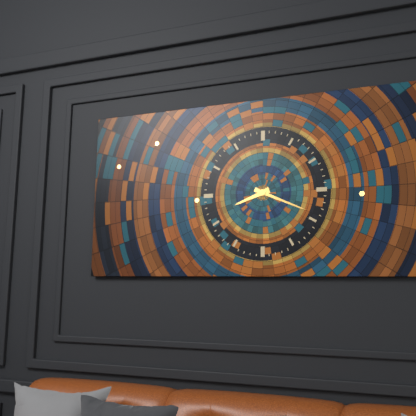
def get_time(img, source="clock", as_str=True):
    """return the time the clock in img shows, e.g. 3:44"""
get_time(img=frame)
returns 8:19
